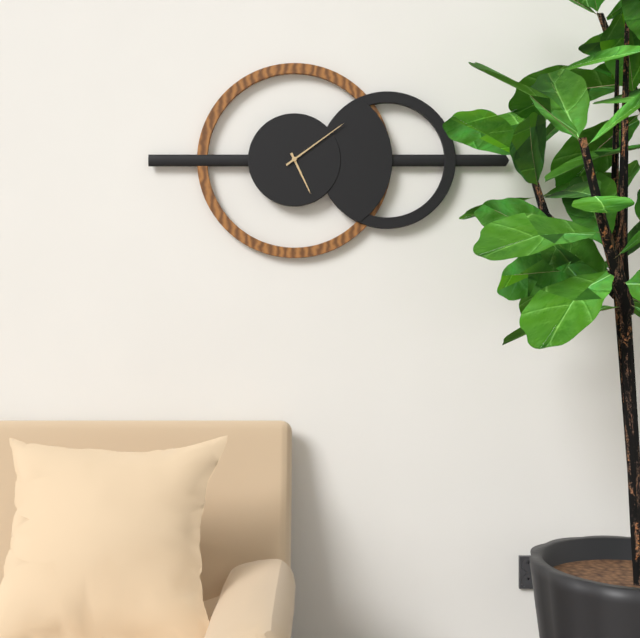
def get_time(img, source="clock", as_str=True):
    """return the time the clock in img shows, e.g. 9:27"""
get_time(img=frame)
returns 5:09
